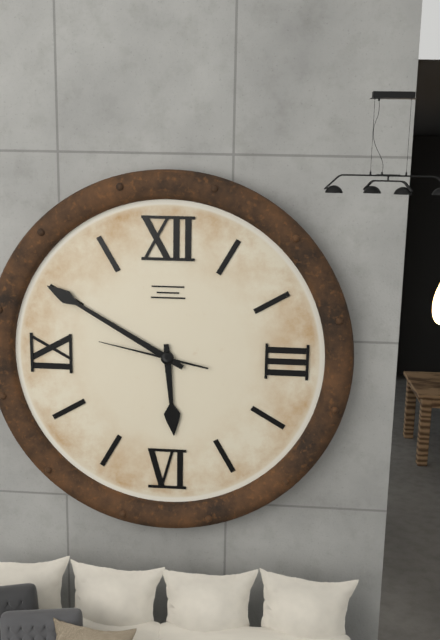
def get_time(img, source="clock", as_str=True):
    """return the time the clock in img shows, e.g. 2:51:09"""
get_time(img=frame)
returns 5:50:47
